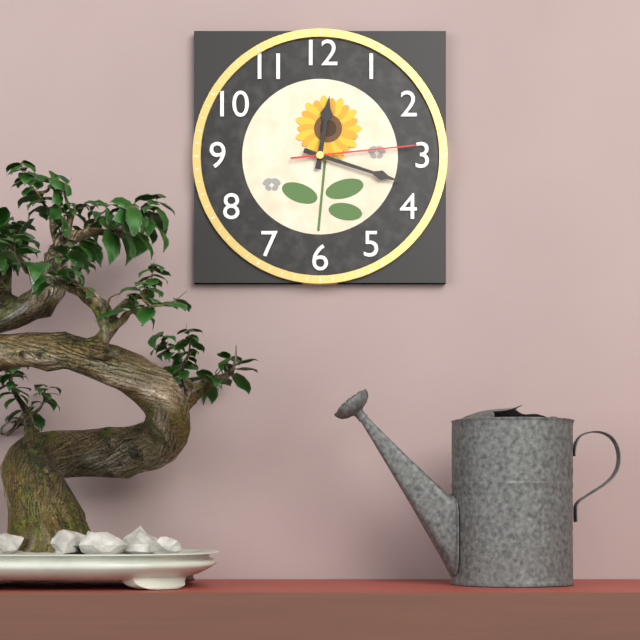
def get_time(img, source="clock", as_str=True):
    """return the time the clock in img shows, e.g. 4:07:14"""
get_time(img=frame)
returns 12:18:14
